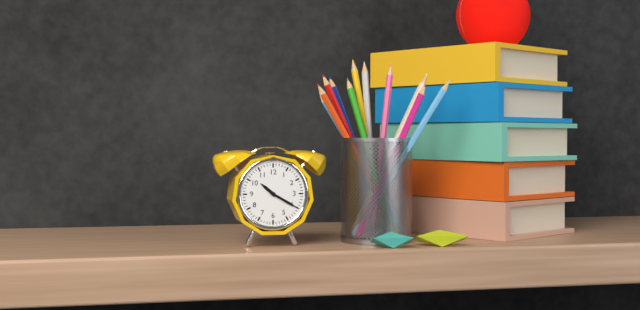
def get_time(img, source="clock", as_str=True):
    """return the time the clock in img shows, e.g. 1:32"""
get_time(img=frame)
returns 10:20
